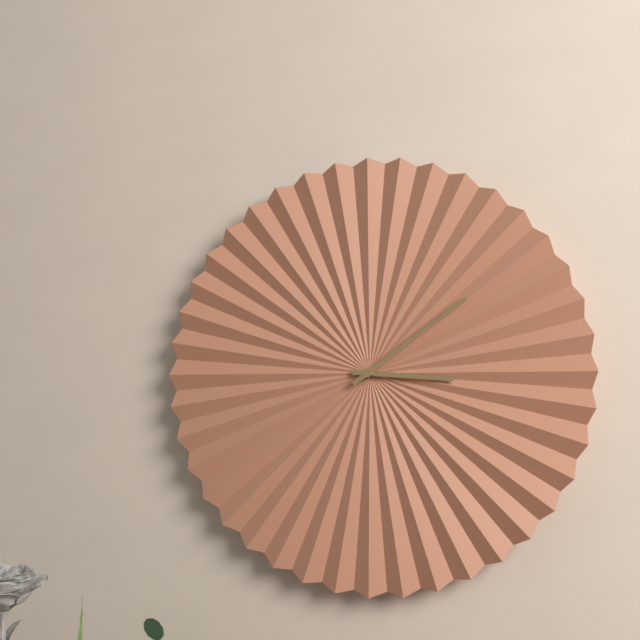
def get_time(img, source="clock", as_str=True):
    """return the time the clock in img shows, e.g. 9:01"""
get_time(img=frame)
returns 3:09
